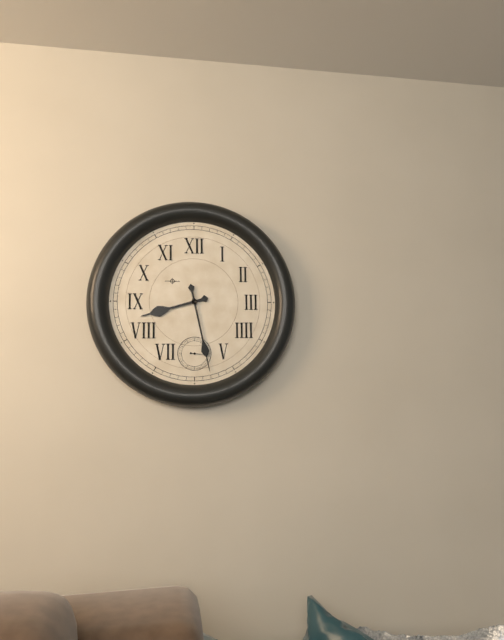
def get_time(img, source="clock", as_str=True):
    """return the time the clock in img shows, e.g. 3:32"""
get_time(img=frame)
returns 8:28
